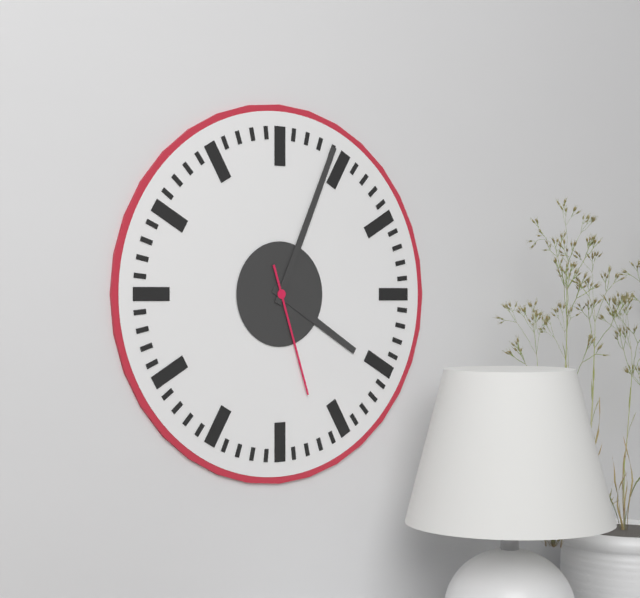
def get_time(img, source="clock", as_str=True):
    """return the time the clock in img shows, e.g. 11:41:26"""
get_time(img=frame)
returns 4:04:27
